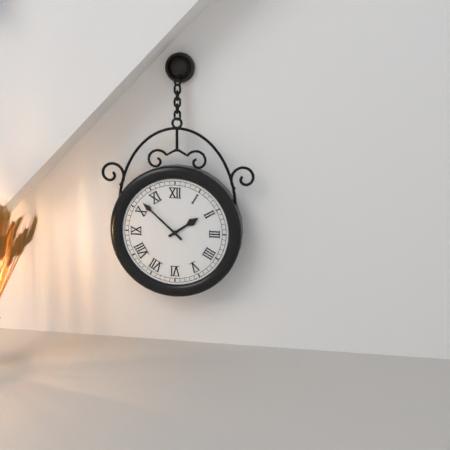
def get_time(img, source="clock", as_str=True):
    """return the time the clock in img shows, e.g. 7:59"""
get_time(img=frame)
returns 1:52
